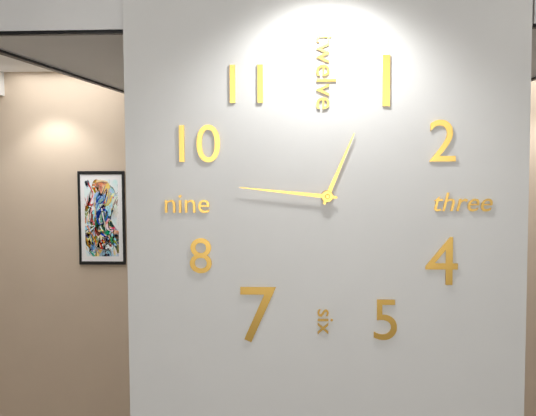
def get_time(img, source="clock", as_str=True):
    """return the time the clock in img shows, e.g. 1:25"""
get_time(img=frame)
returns 12:46
